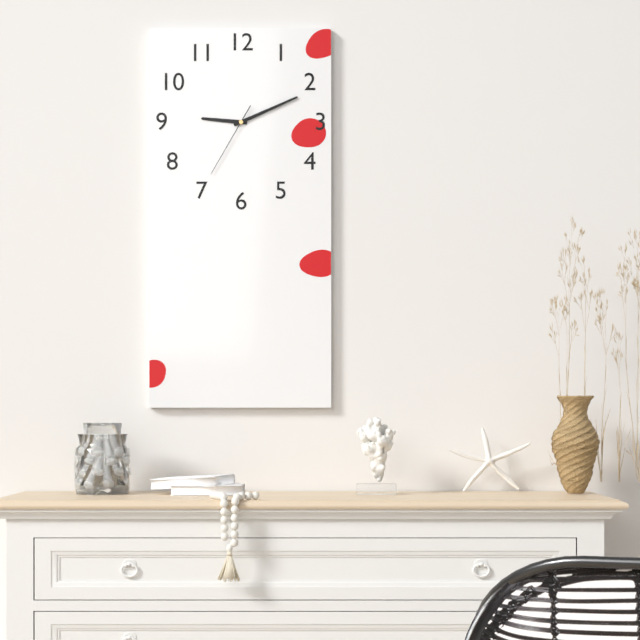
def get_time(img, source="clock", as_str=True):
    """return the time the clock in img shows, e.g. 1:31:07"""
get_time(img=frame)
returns 9:11:35
